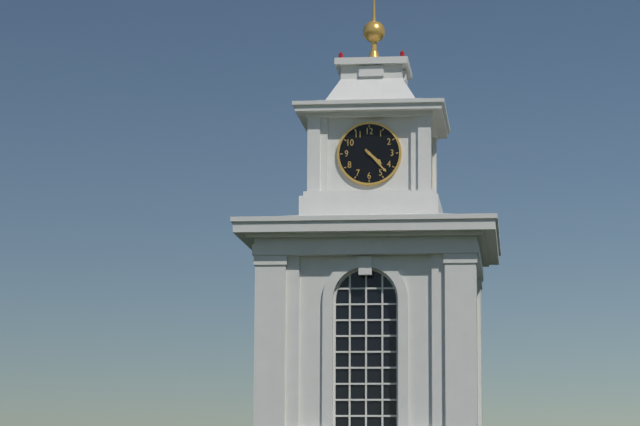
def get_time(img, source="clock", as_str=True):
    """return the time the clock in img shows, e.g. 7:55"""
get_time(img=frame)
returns 4:23
